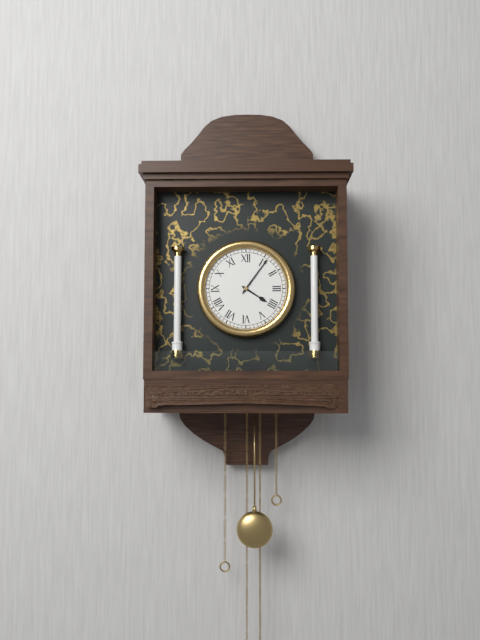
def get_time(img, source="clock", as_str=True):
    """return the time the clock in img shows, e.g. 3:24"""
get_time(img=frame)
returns 4:06
